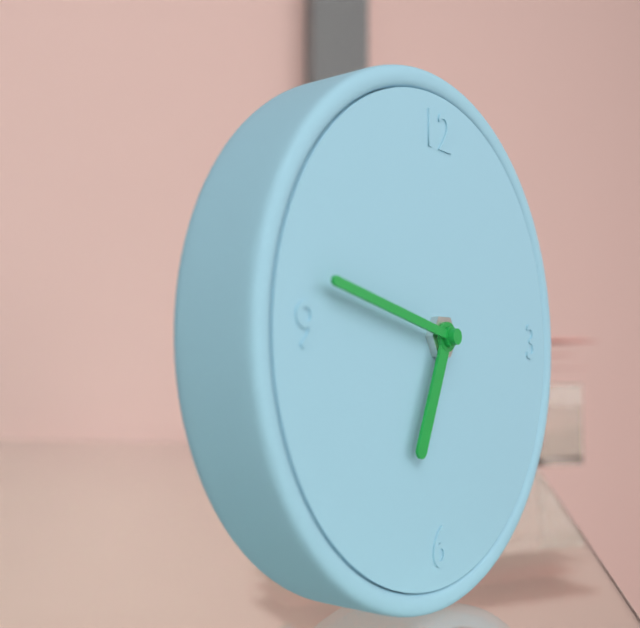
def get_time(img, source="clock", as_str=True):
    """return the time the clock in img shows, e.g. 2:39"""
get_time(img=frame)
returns 6:47
